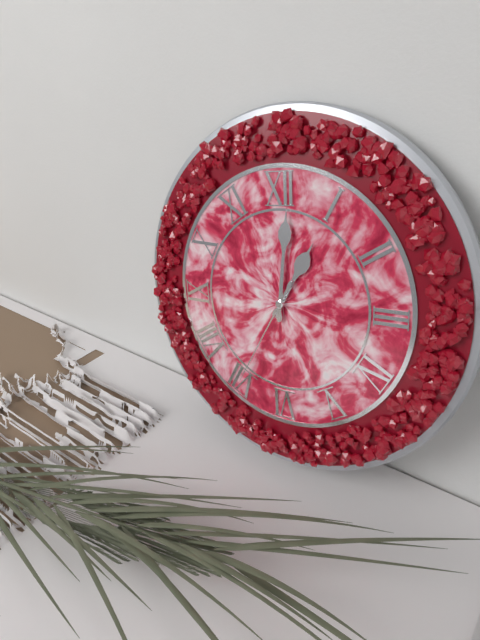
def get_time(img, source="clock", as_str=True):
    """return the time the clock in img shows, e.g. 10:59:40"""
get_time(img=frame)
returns 1:01:35
